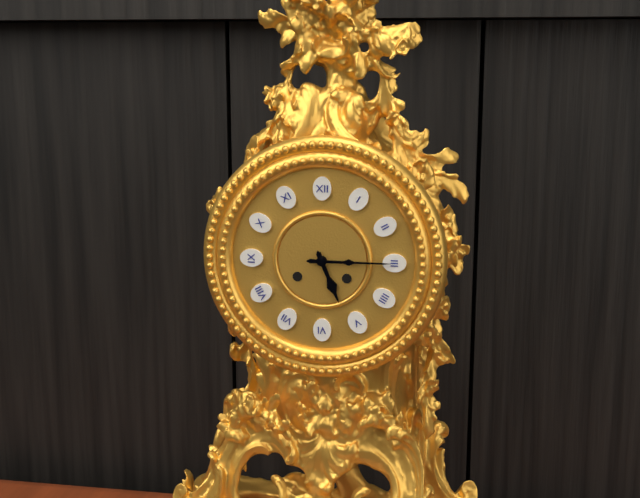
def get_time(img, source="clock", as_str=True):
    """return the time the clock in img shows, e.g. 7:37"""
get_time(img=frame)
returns 5:15
